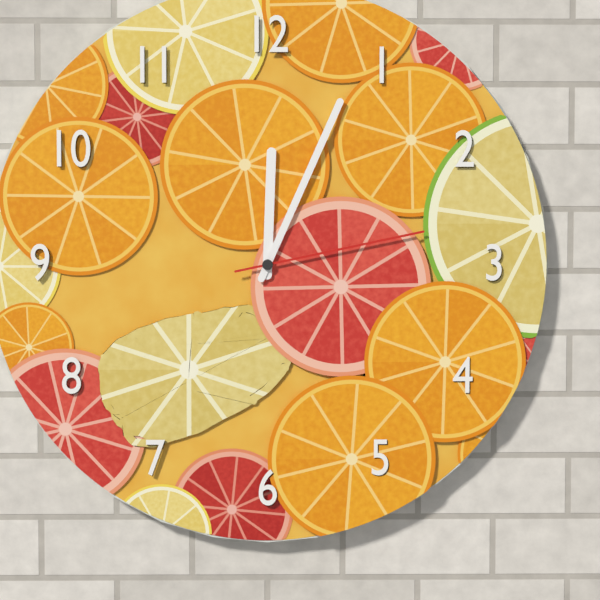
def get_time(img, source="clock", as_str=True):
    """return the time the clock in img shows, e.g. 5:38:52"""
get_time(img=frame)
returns 12:04:13
